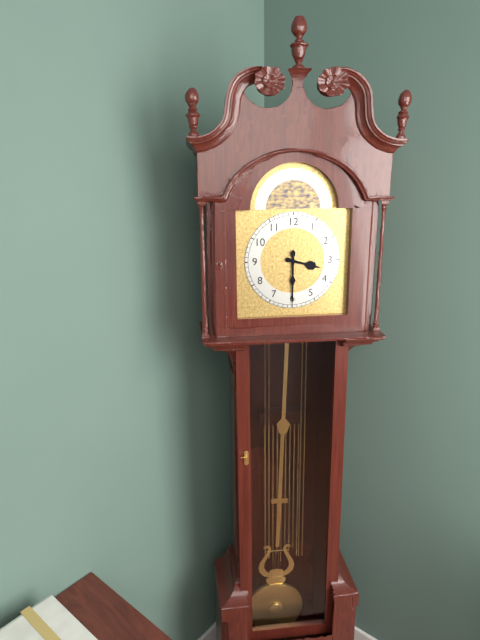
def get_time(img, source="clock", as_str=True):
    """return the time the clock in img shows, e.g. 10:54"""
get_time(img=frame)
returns 3:30
